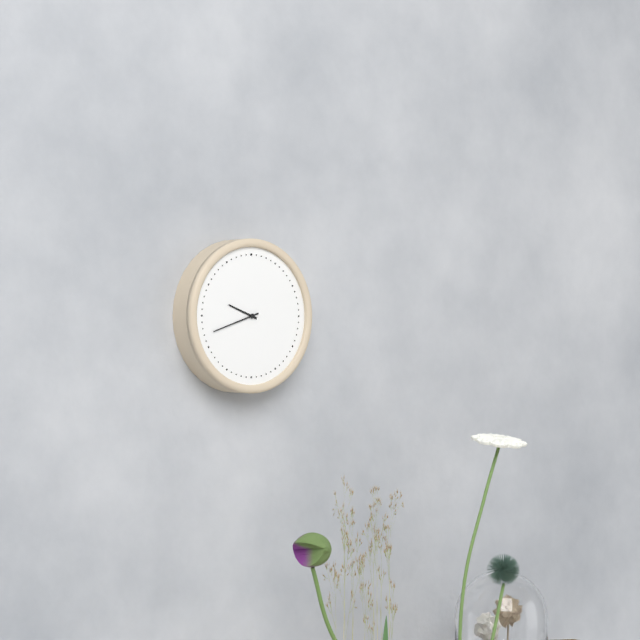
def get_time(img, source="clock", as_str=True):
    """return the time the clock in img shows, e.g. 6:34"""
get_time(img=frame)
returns 9:42
